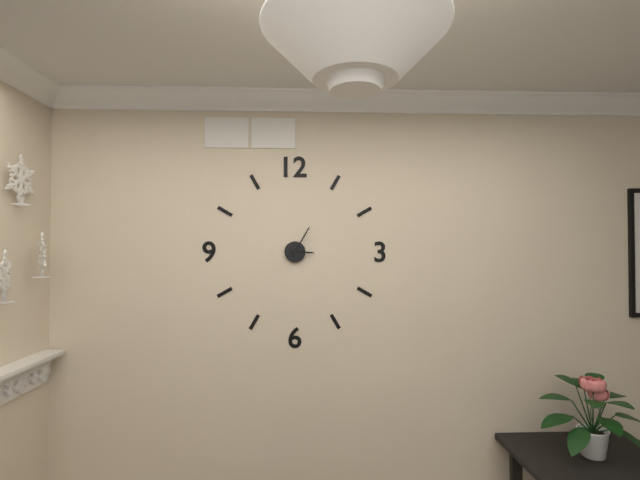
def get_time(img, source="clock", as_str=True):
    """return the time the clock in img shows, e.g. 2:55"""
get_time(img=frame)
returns 3:05
